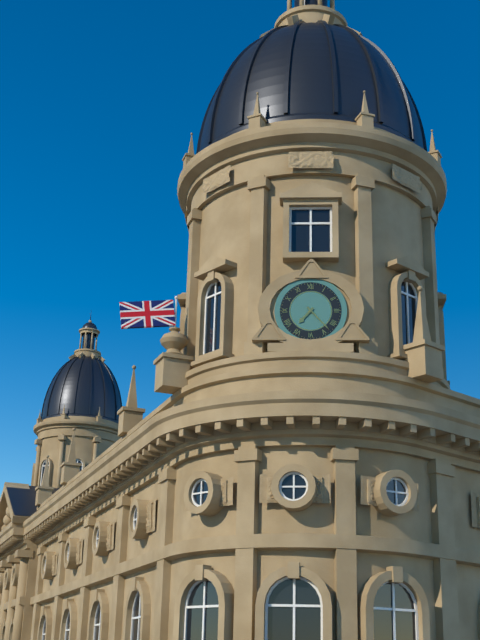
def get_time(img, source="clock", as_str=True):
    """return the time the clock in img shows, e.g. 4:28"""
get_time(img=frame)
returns 7:23
